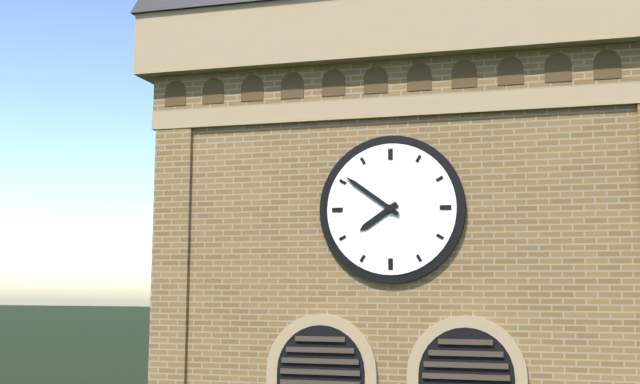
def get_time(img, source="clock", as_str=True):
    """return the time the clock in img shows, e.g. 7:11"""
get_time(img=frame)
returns 7:51
